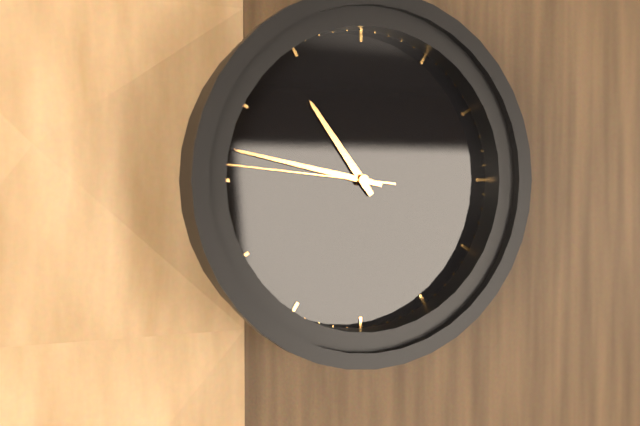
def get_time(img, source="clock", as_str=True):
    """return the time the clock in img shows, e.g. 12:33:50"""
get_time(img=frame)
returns 10:47:46
